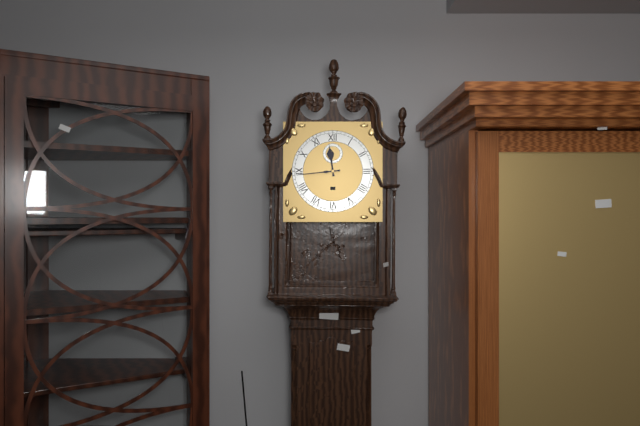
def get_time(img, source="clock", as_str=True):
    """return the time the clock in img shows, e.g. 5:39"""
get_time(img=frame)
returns 11:44
